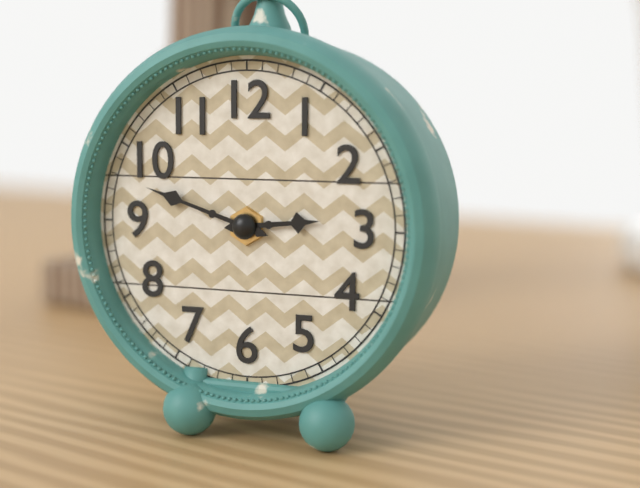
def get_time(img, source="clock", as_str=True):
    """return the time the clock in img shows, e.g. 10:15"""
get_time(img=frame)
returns 2:48
